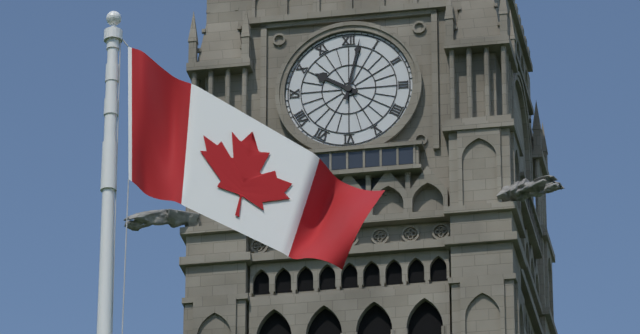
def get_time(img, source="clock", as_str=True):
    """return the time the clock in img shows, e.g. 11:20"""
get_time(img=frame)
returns 10:02
